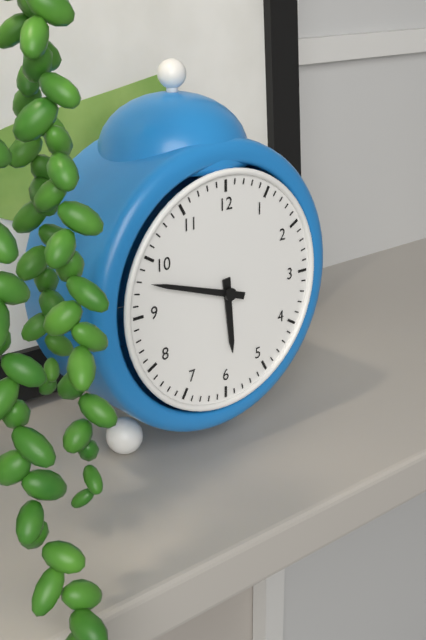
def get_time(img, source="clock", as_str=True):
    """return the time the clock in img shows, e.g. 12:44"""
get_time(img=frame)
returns 5:48
